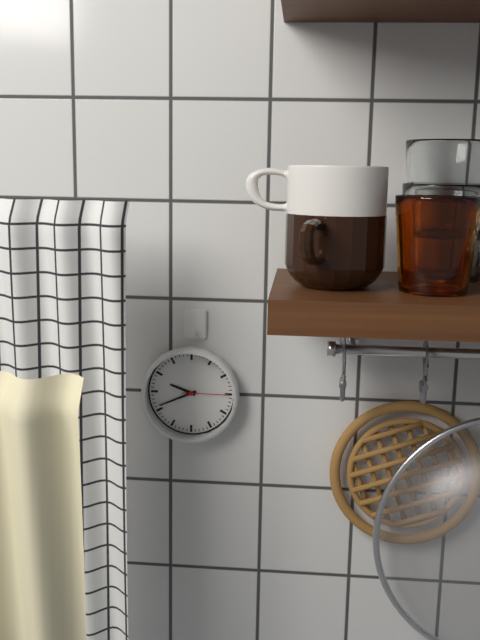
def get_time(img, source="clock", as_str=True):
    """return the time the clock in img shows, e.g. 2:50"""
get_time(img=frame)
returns 9:41
